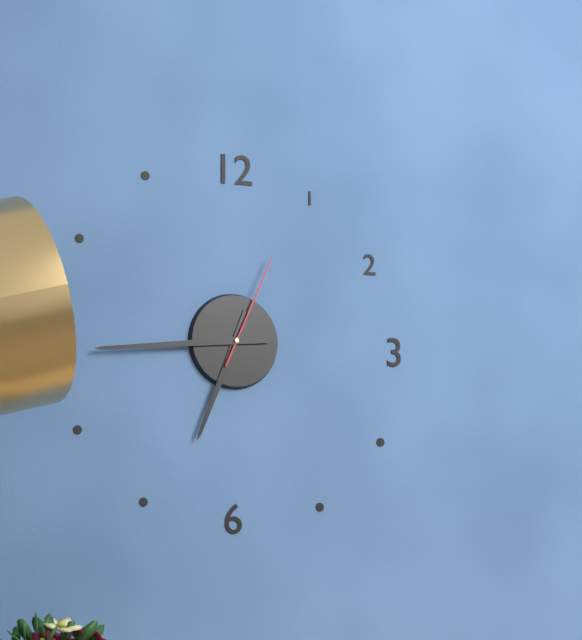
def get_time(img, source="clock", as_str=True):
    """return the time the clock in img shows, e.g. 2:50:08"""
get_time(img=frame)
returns 6:44:04
